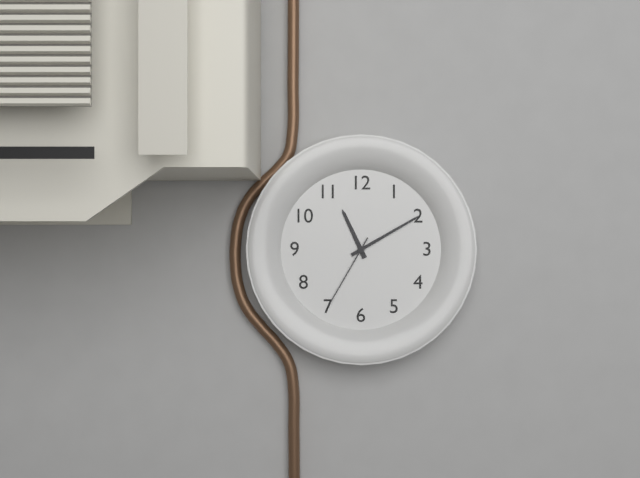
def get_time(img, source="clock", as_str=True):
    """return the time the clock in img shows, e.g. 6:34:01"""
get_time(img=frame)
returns 11:10:35
